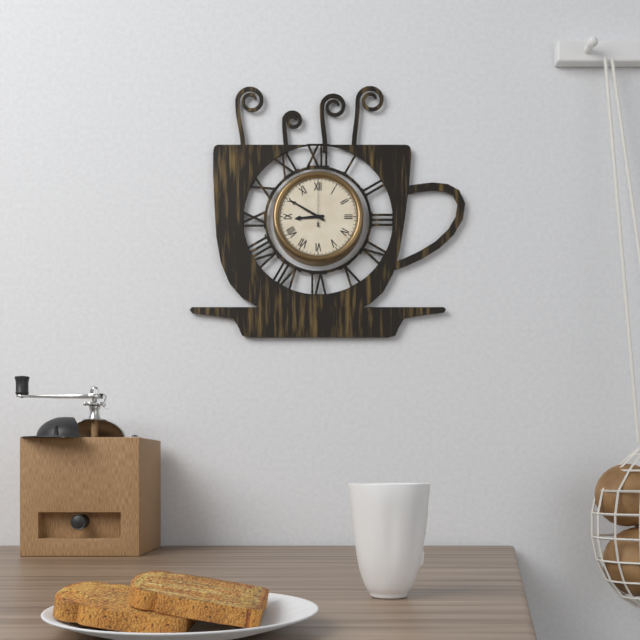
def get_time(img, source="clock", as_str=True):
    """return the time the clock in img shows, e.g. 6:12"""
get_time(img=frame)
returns 8:50
